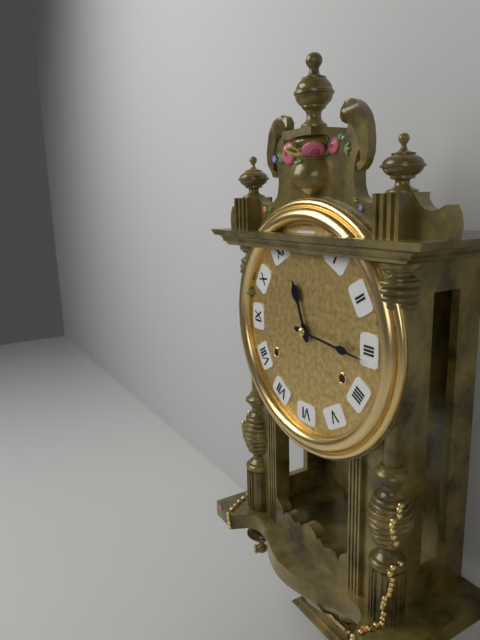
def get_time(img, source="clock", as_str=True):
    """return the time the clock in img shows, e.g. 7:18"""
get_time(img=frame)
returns 11:16
